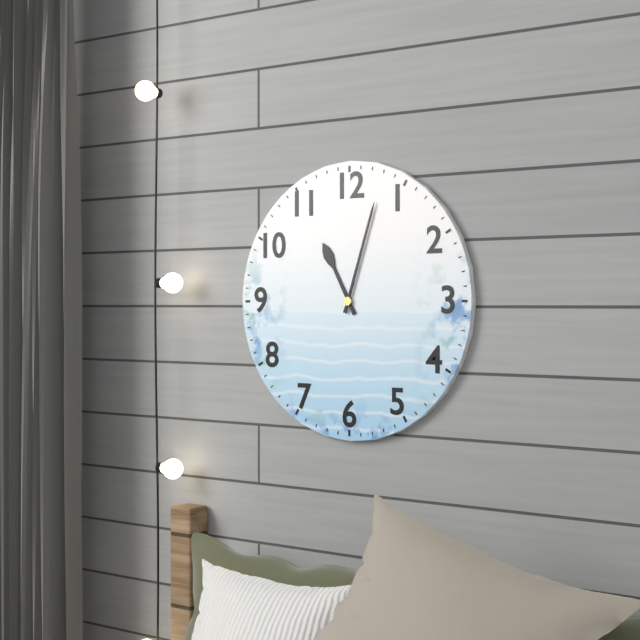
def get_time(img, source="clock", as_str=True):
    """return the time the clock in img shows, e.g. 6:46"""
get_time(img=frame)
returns 11:03
